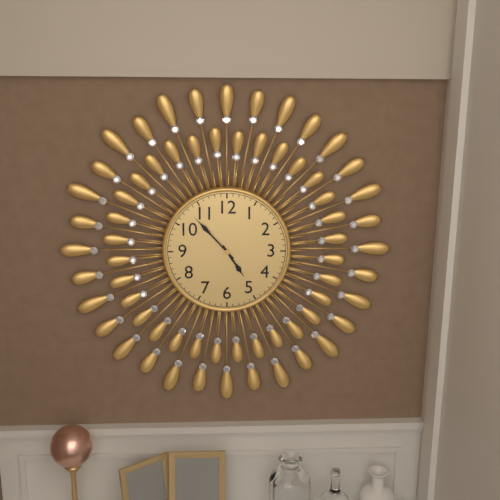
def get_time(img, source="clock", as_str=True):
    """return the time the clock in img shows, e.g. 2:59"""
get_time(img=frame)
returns 4:53
